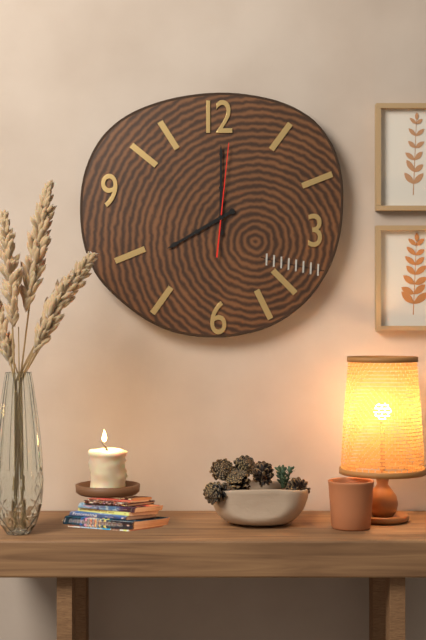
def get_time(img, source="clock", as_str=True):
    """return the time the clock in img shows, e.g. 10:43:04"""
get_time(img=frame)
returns 8:00:01
